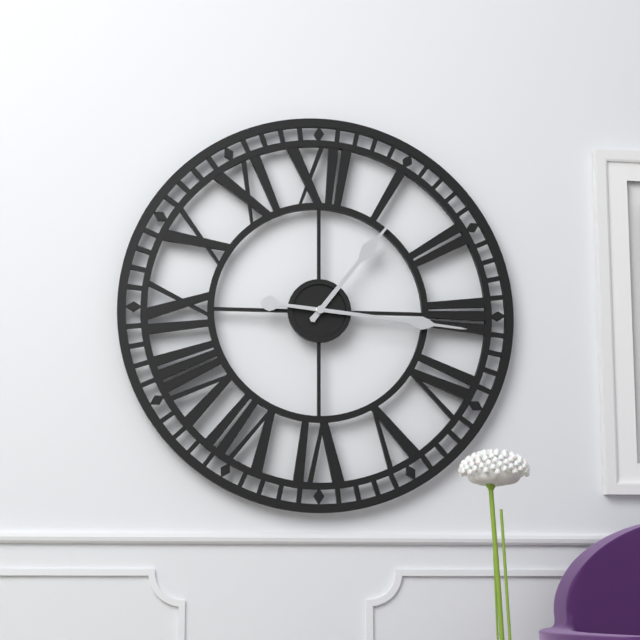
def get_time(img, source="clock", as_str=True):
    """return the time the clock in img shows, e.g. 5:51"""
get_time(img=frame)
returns 1:16
